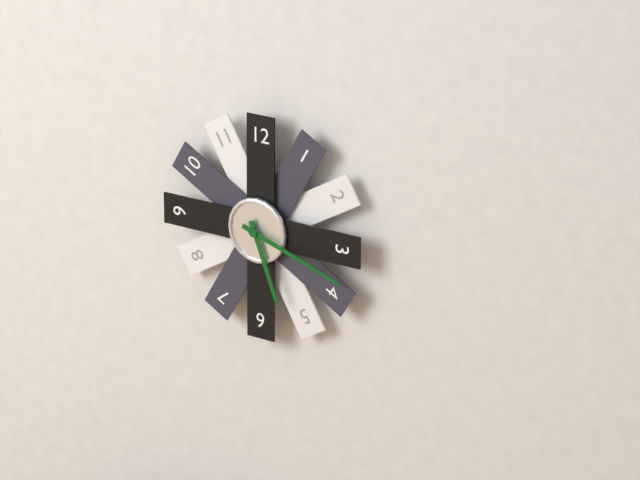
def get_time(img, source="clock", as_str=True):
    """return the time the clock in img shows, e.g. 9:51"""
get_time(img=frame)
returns 5:18
